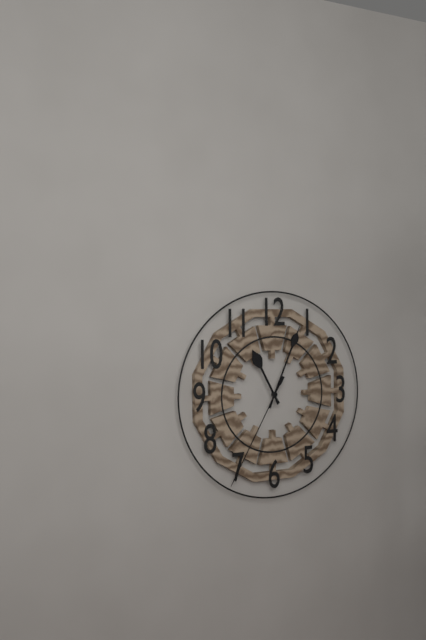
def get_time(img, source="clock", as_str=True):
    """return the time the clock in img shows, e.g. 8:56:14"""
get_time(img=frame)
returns 11:04:35
